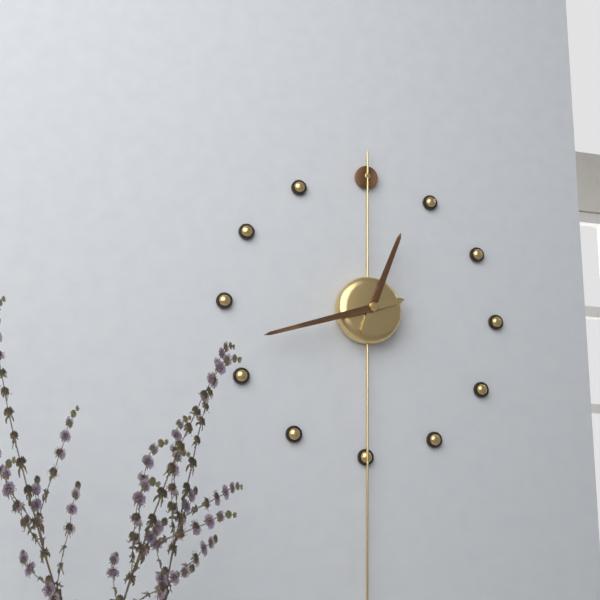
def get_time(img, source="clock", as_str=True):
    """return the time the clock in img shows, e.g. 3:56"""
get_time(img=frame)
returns 12:42
